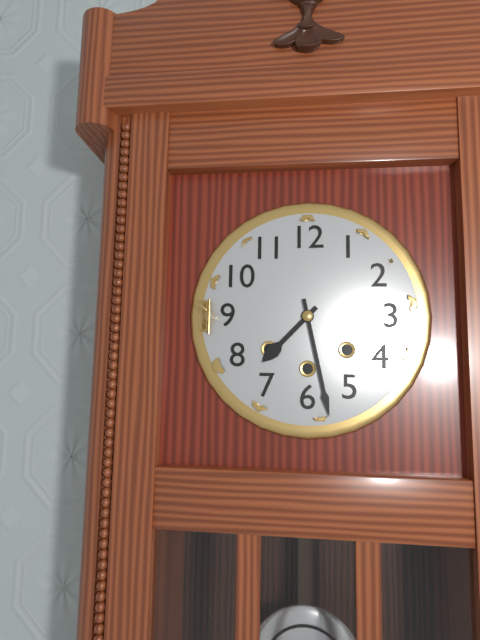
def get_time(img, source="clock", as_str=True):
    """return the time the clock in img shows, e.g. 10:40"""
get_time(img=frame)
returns 7:28
